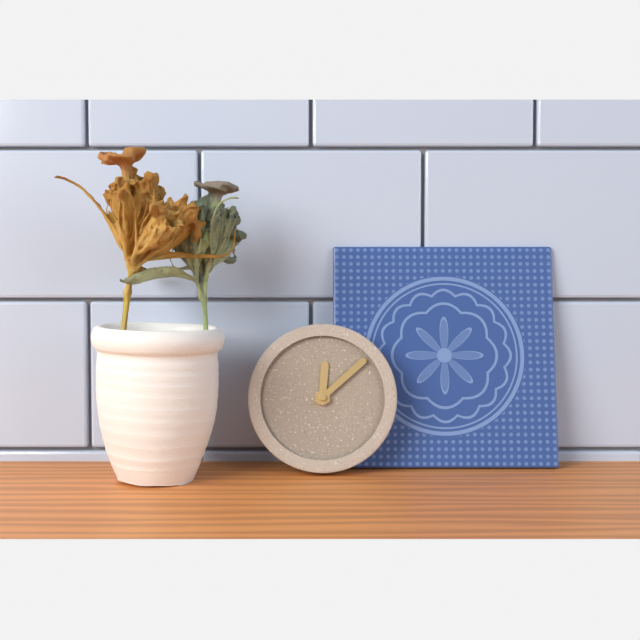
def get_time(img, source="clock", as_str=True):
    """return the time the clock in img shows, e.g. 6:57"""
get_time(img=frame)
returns 12:08
